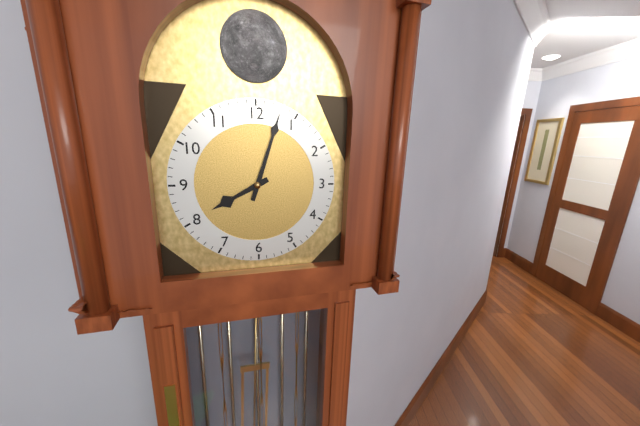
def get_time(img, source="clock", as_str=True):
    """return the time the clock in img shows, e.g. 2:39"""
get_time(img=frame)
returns 8:03
